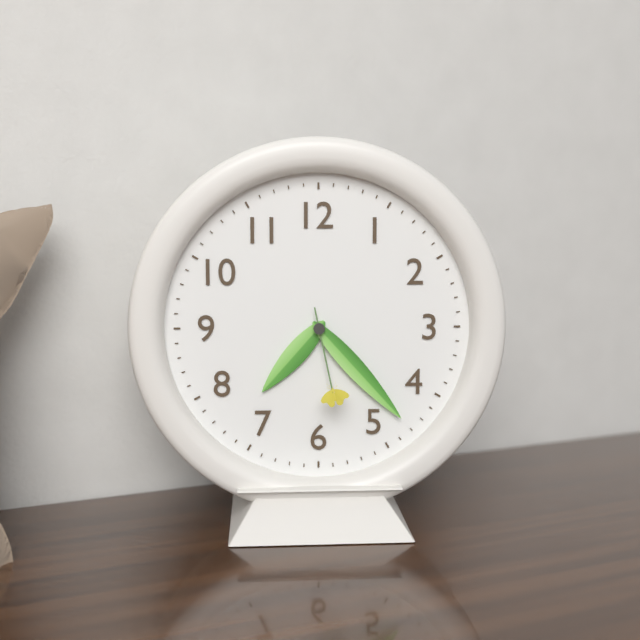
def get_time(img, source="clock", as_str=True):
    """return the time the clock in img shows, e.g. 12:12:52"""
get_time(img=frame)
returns 7:23:28
